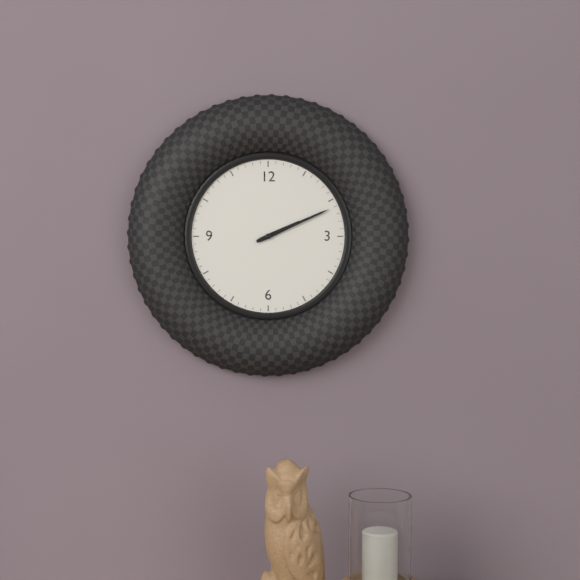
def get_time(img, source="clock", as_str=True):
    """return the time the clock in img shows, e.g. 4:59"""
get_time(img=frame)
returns 2:11
